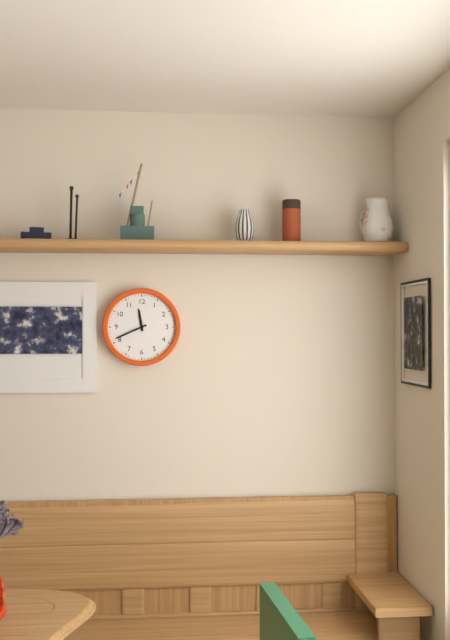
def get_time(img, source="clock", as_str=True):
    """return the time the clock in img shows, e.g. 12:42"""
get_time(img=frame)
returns 11:41
